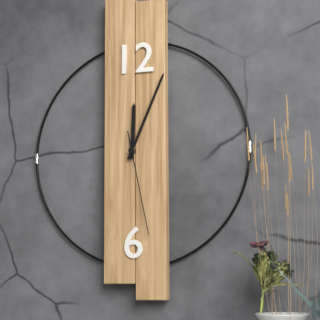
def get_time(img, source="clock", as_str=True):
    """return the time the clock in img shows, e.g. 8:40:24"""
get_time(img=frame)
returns 12:04:28
